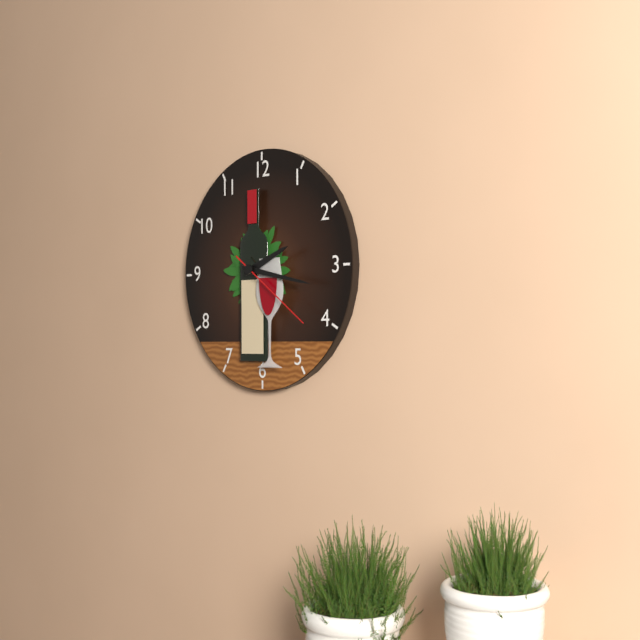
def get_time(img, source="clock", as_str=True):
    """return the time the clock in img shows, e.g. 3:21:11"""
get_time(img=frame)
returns 2:17:21
